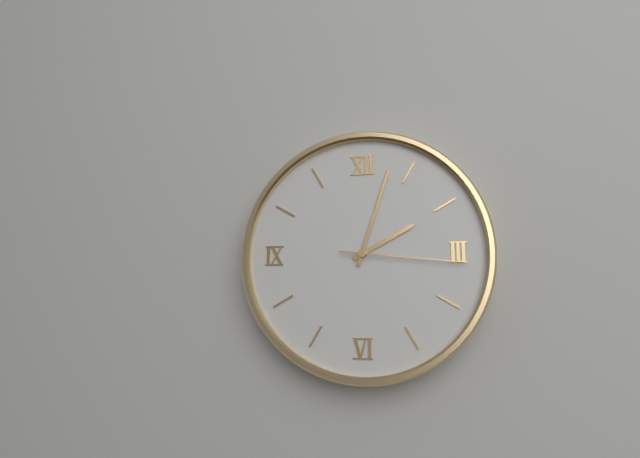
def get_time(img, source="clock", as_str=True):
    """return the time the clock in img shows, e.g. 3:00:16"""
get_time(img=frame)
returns 2:03:16
